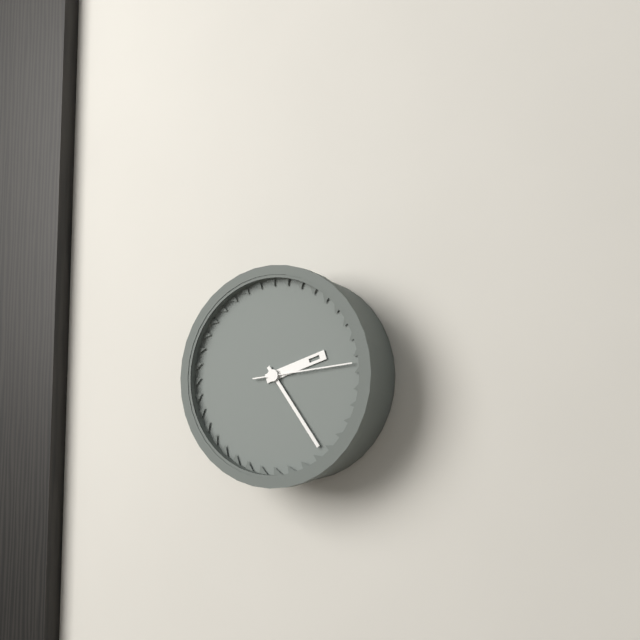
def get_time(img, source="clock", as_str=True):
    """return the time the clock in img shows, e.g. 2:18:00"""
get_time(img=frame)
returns 2:24:14
